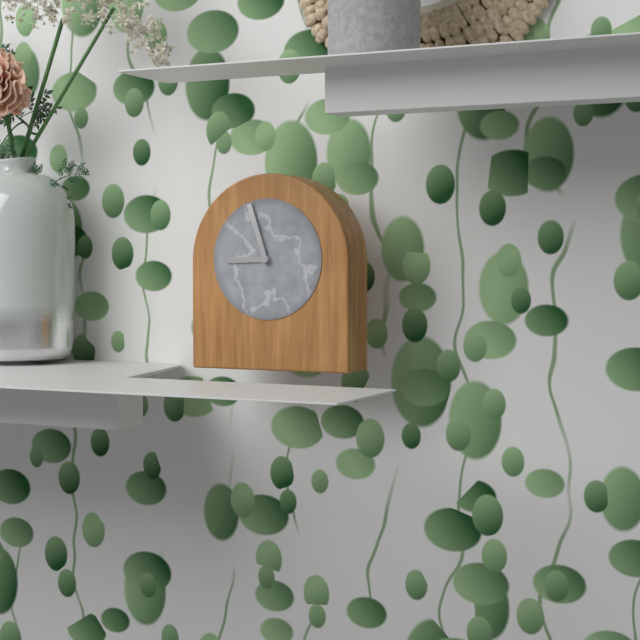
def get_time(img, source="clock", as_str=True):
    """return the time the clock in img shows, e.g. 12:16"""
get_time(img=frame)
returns 8:57
